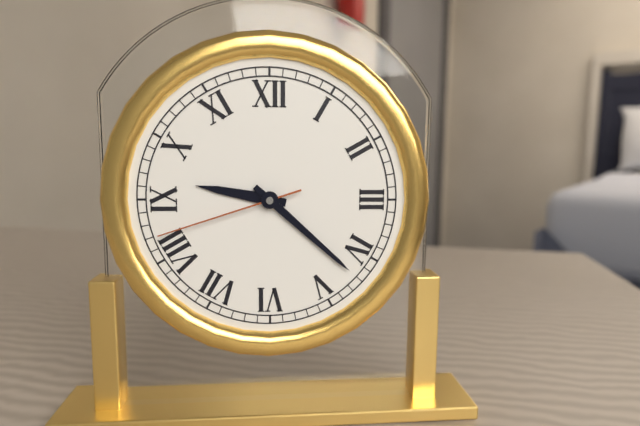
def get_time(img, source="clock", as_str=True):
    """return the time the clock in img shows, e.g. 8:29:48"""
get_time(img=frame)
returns 9:22:42
